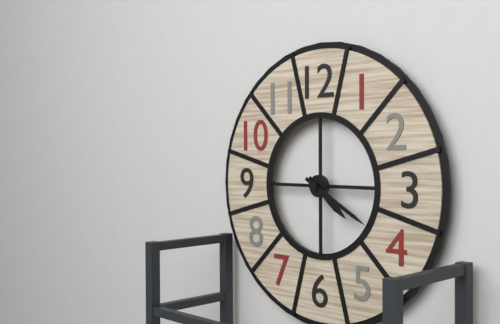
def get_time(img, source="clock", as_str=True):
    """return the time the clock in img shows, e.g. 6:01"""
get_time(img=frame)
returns 4:20
